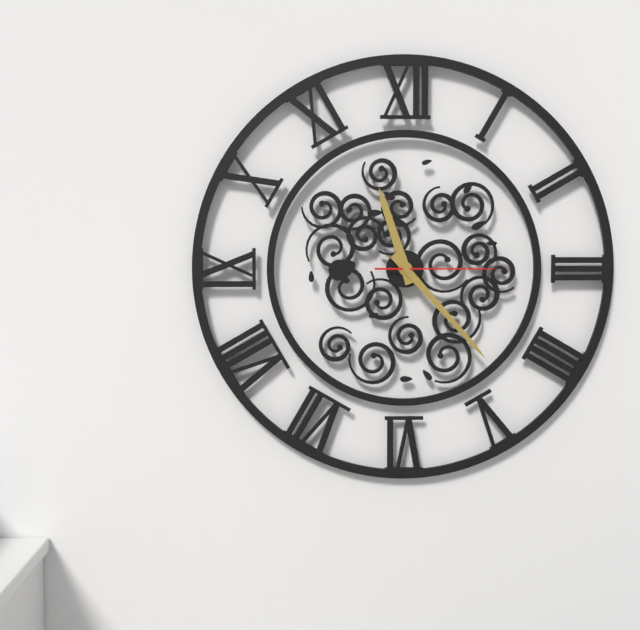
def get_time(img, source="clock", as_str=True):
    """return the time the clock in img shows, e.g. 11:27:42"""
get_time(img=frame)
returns 11:23:15
